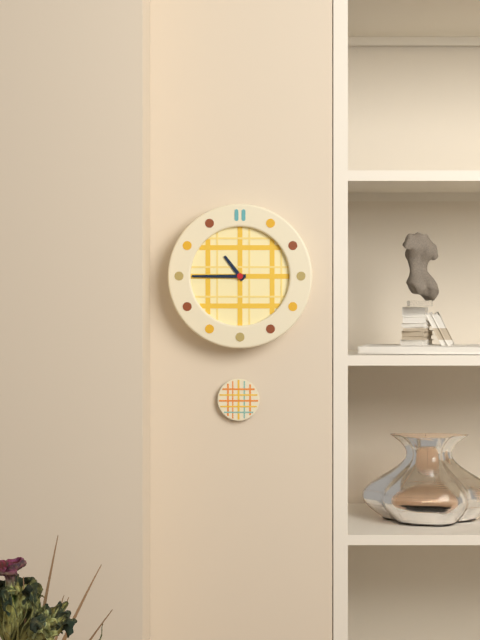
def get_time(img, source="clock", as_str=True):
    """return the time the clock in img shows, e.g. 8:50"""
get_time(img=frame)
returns 10:45
